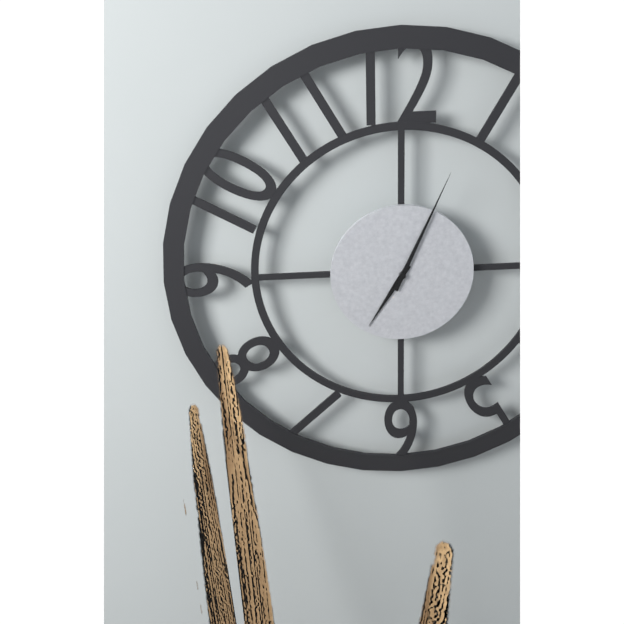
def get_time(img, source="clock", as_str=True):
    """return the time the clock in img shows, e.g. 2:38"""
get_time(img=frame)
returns 7:04
